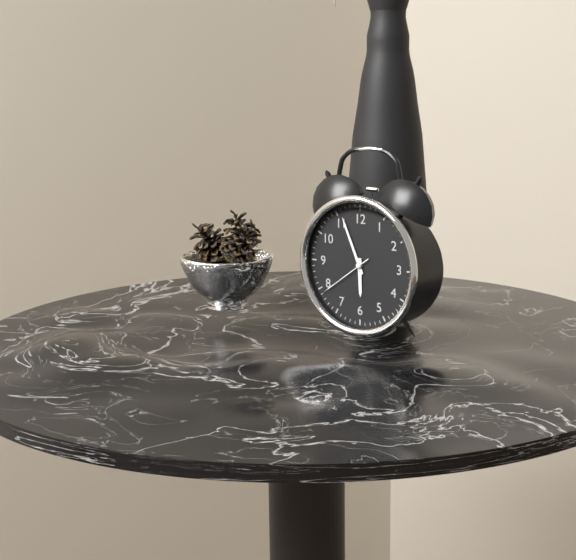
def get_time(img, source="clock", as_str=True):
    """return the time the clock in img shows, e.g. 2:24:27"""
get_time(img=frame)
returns 5:56:39
